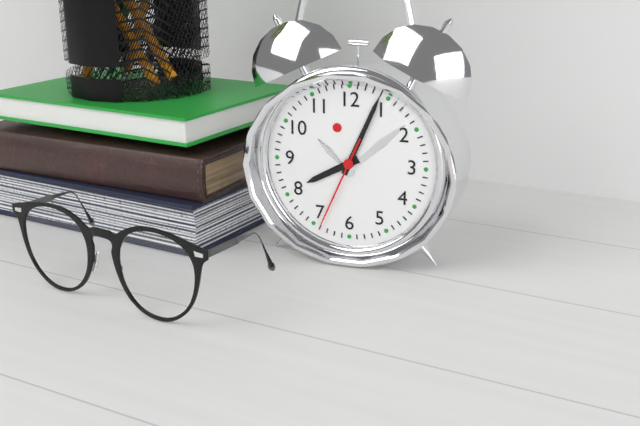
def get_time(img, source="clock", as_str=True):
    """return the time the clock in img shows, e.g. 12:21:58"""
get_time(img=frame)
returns 8:04:34
